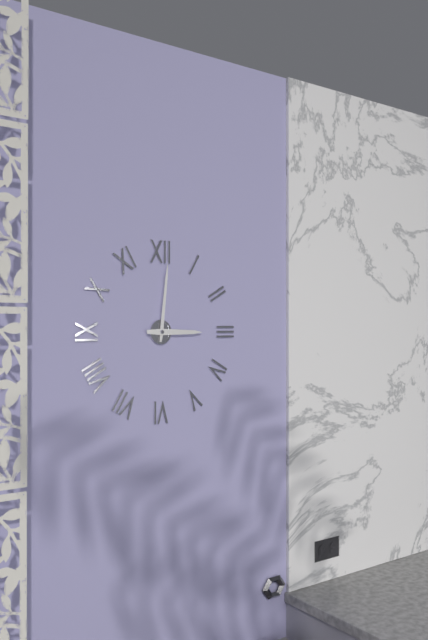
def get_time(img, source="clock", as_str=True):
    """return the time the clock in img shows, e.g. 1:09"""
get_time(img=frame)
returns 3:01
